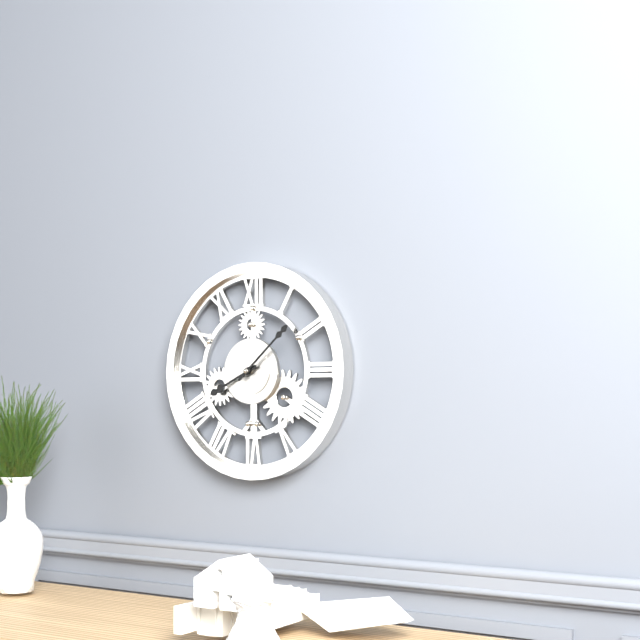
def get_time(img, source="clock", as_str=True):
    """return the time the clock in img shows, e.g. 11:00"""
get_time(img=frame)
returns 8:08
